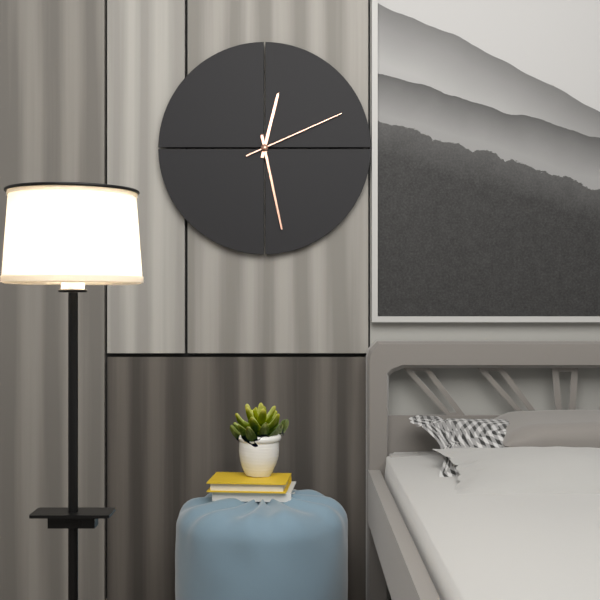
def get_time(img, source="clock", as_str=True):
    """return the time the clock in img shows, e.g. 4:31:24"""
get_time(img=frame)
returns 12:28:11
